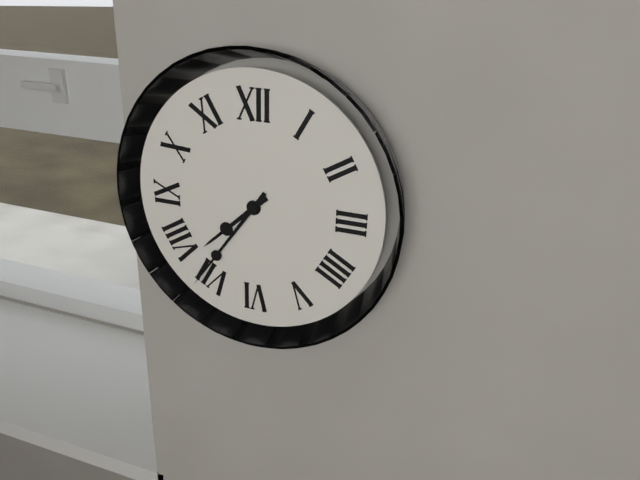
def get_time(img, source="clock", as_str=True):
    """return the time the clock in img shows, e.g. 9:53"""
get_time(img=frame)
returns 7:36
